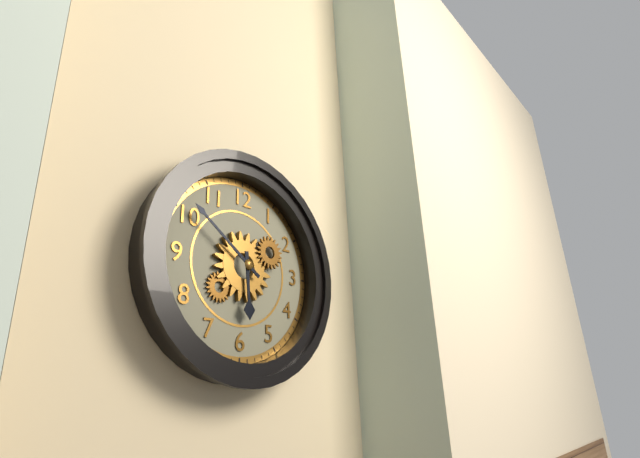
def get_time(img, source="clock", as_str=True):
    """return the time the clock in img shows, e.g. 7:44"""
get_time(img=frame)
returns 5:51
